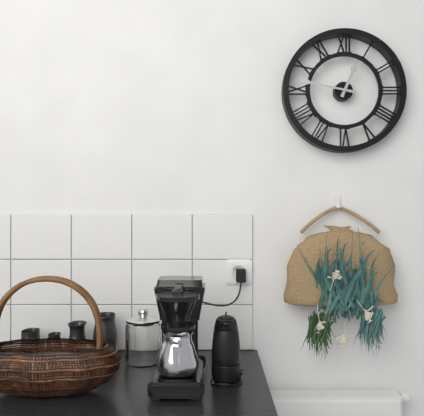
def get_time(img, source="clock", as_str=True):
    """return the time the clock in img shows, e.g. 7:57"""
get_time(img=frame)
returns 12:47
